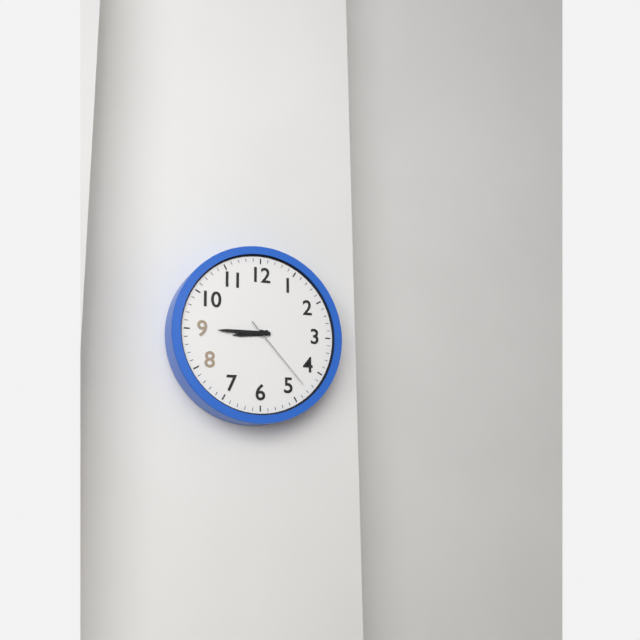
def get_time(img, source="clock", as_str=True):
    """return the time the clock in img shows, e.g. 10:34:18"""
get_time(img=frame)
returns 8:45:23
